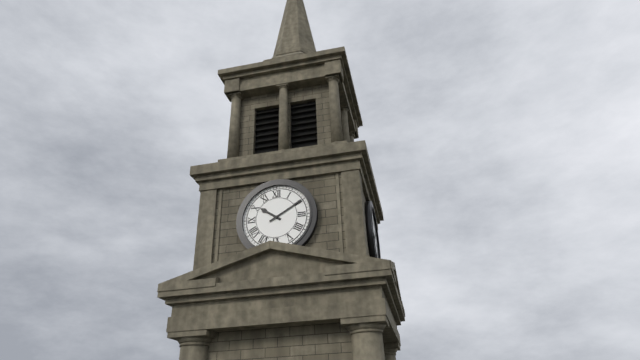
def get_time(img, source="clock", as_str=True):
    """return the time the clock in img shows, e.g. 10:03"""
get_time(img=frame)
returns 10:10
